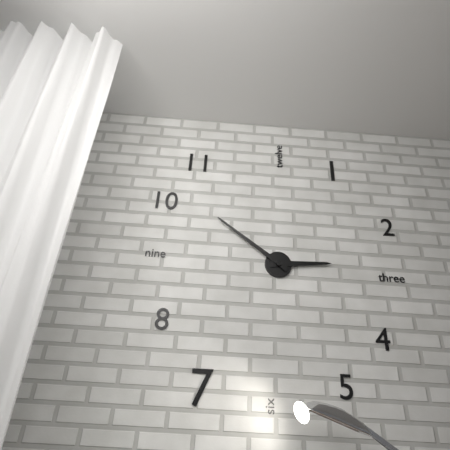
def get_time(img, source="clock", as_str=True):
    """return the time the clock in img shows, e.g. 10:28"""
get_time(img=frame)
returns 2:51
